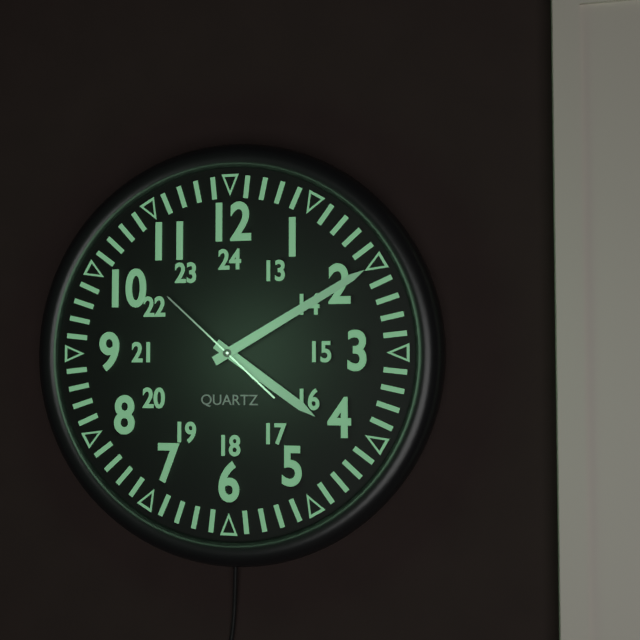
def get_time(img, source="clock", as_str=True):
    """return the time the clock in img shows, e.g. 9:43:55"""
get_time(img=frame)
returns 4:10:52
